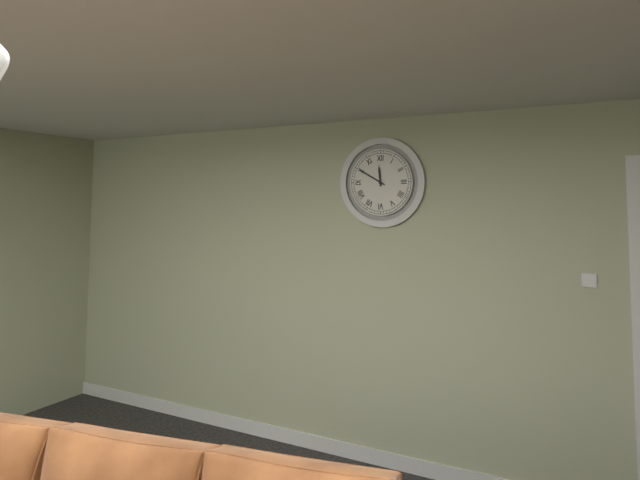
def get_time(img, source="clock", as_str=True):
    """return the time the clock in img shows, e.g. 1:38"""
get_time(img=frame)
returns 11:50
